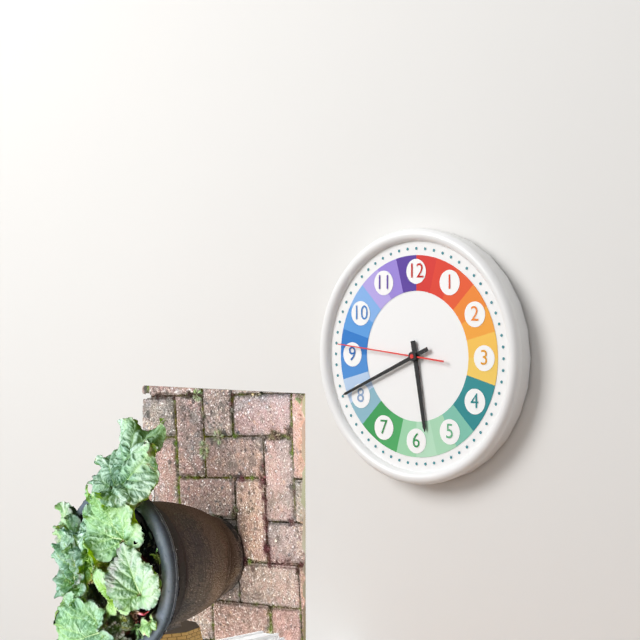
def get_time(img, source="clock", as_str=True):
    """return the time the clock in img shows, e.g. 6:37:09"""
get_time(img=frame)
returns 5:41:46
